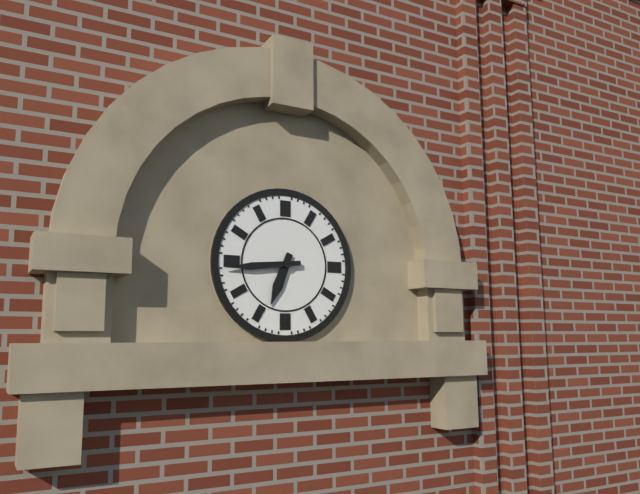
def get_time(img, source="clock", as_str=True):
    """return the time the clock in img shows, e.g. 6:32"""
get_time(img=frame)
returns 6:44
